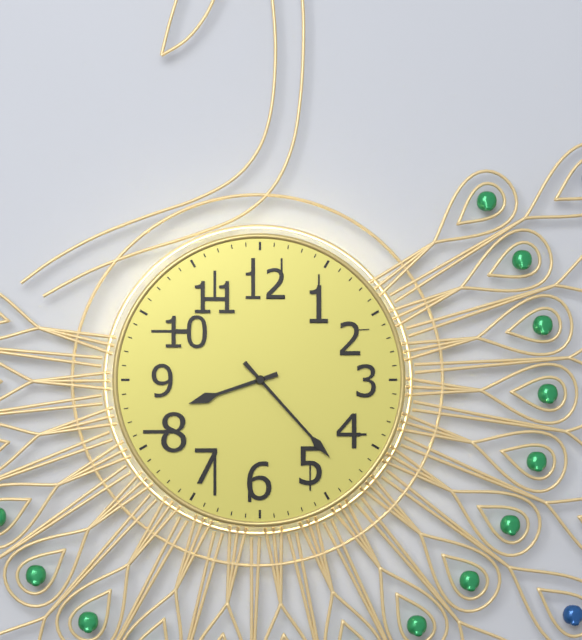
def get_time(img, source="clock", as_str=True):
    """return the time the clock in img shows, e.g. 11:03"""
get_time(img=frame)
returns 8:23
